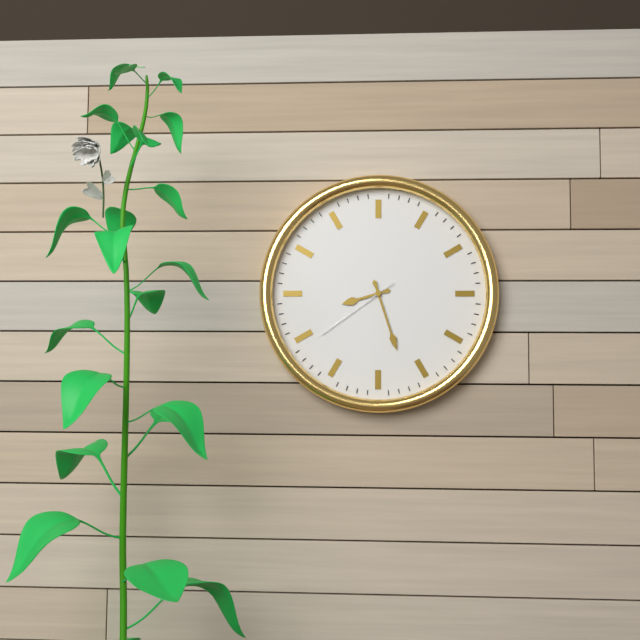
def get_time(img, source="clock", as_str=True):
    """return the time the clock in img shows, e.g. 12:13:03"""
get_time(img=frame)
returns 8:27:39
